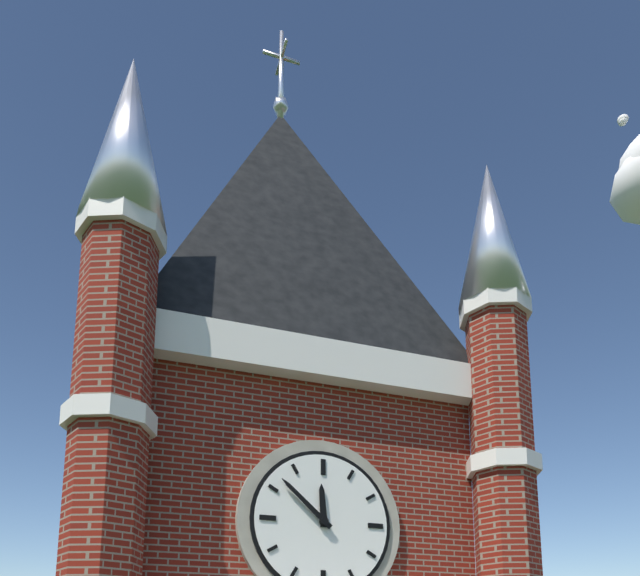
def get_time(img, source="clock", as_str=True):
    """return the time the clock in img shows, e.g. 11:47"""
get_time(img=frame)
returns 11:52
